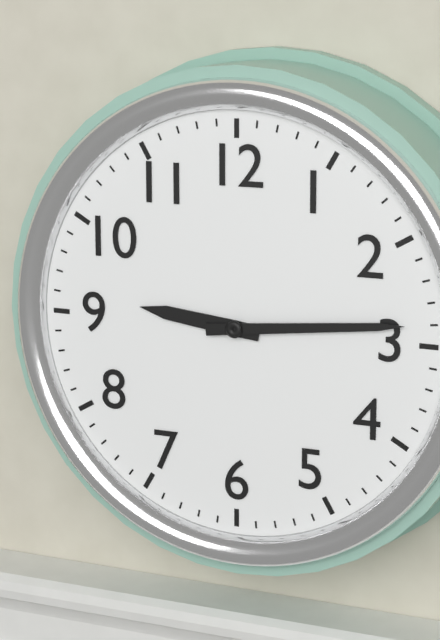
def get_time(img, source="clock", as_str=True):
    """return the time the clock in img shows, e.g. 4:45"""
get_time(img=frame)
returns 9:14
